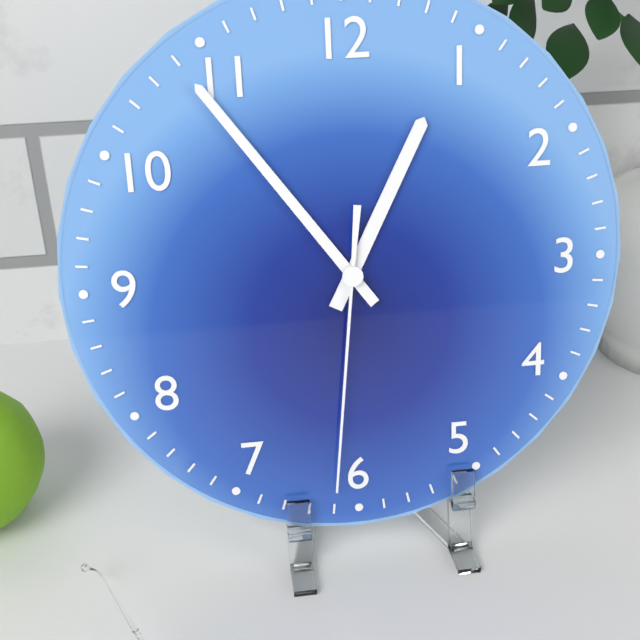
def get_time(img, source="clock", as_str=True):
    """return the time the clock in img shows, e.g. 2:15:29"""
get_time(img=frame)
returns 12:54:31
